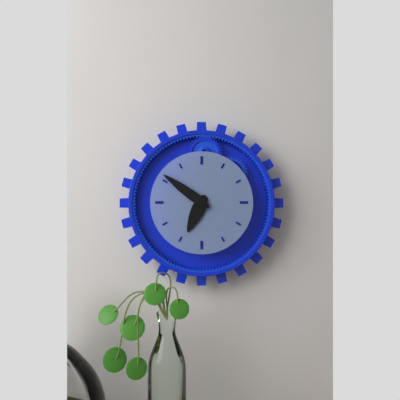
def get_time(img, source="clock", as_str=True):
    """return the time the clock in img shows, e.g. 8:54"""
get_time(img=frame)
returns 6:51
